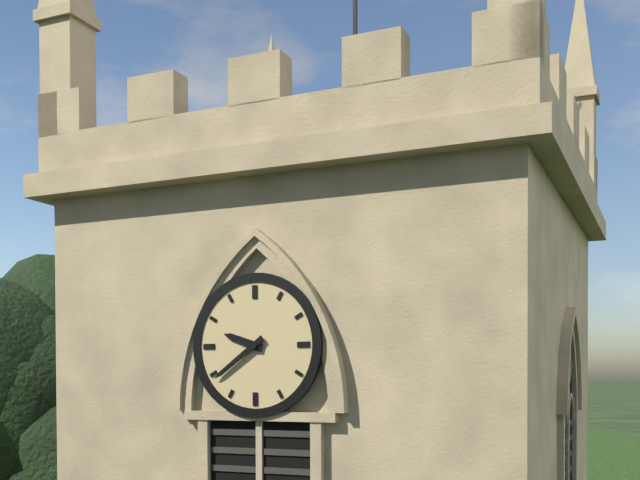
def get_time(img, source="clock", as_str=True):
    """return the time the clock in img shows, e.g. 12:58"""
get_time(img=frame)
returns 9:39
